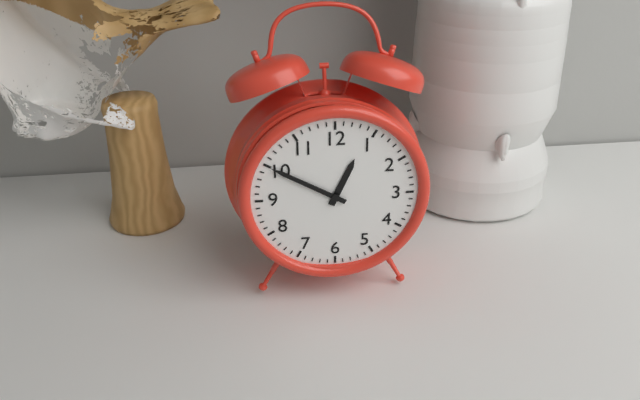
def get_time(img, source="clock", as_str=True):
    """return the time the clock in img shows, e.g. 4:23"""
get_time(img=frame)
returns 12:50
